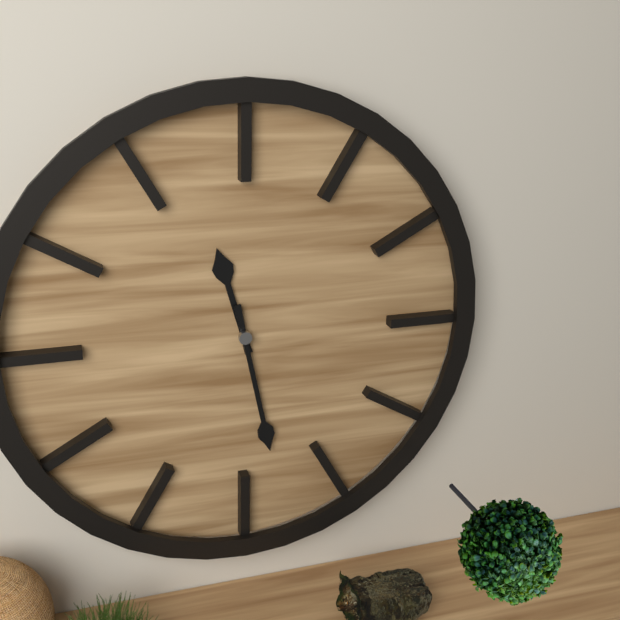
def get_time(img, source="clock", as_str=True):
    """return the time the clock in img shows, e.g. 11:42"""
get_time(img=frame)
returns 11:28
